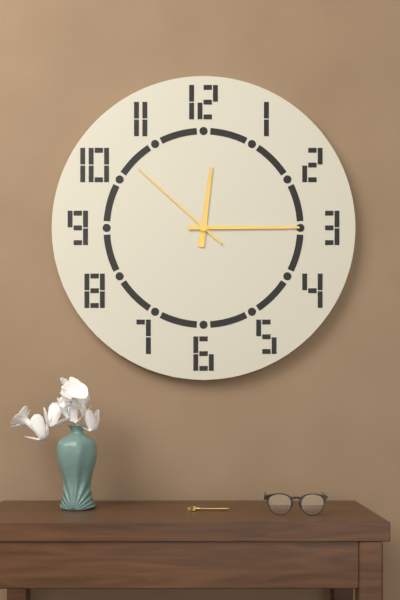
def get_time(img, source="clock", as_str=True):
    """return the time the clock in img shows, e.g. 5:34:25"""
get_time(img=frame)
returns 12:15:52
